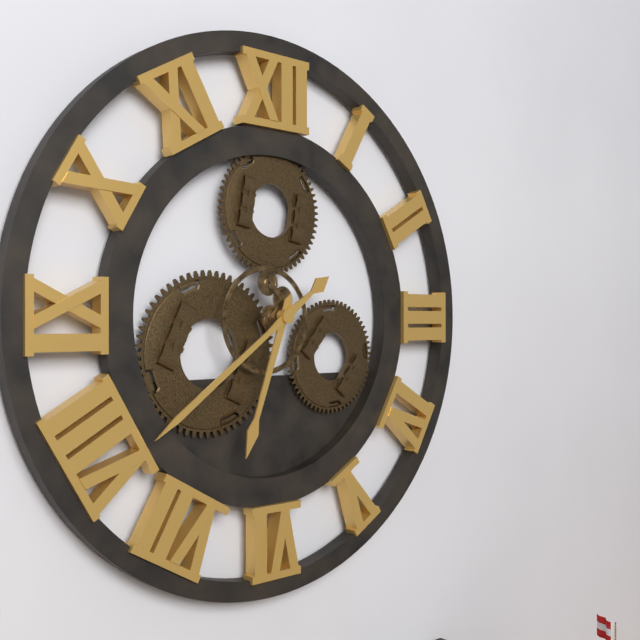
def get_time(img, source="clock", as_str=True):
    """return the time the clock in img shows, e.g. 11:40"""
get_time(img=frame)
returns 6:39
